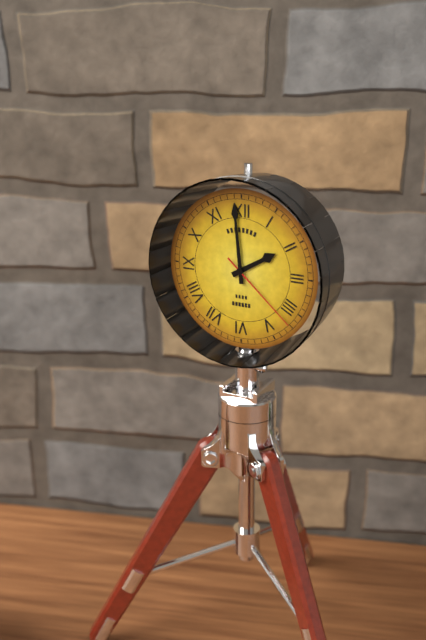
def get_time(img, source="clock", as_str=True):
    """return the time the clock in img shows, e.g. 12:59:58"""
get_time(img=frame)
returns 1:59:22
